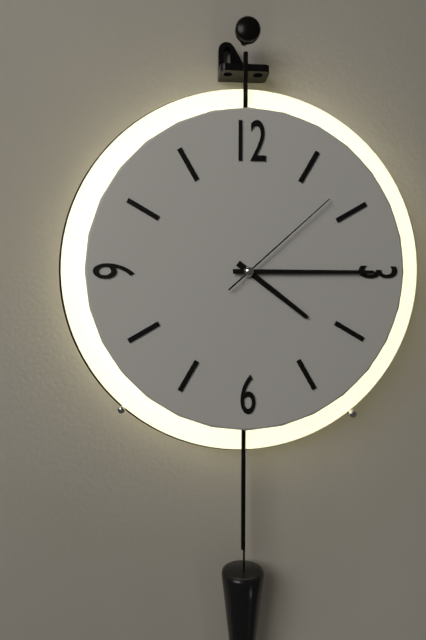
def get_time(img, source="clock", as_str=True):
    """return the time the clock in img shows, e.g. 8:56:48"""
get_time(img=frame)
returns 4:15:08
